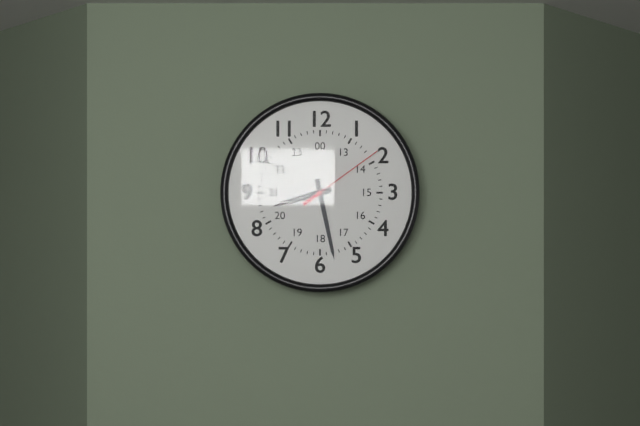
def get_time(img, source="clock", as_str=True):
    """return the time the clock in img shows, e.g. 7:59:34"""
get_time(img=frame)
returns 8:28:09
